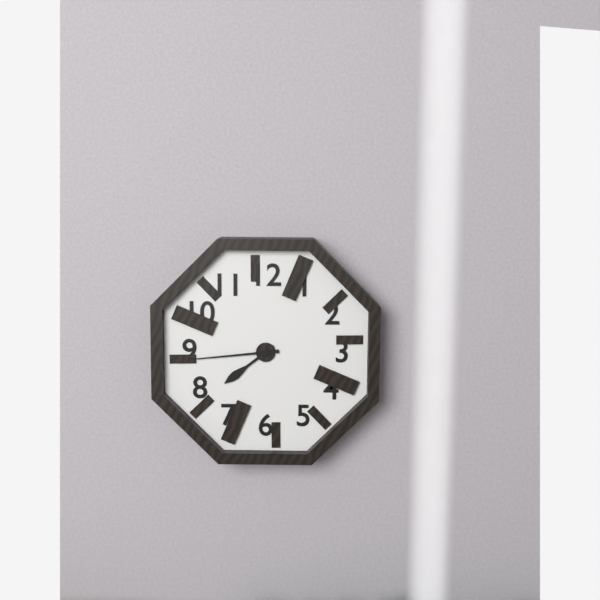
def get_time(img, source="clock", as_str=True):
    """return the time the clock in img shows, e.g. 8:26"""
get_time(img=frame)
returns 7:44
